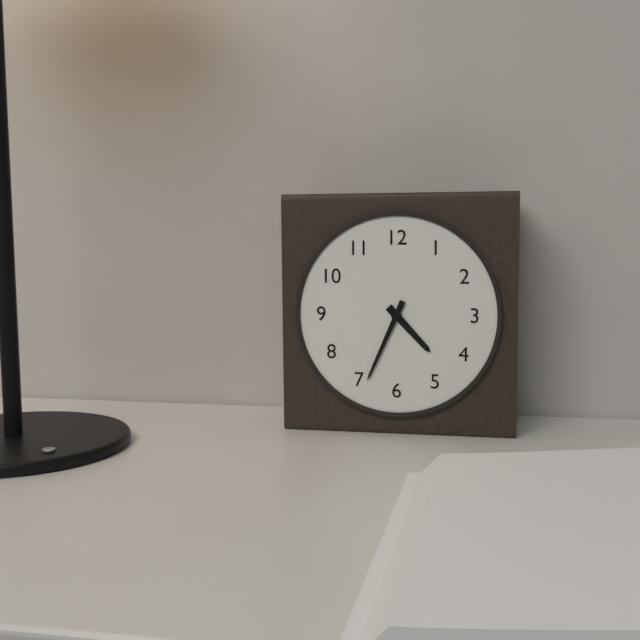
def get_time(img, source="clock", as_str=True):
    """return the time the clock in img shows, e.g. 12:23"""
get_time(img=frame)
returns 4:34
